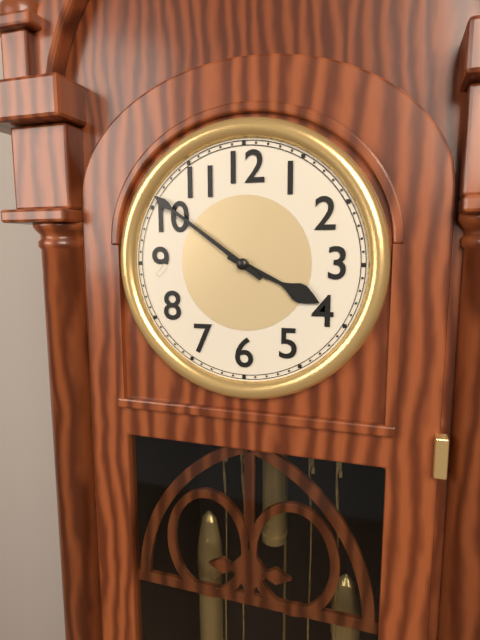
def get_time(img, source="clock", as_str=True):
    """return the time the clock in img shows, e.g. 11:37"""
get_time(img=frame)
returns 3:51
